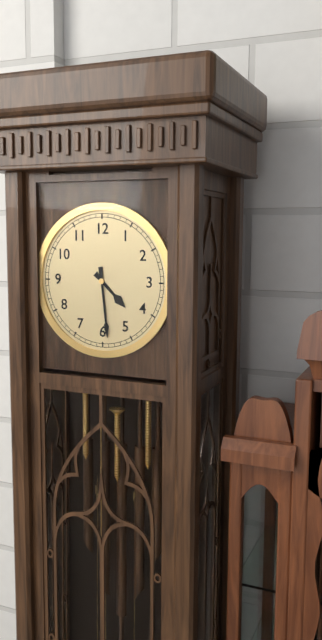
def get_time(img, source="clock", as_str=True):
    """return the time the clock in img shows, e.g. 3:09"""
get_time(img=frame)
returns 4:29
